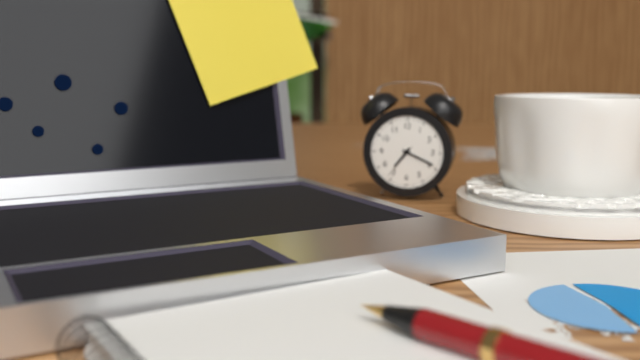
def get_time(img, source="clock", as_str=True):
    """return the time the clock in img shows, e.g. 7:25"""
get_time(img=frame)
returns 7:19
